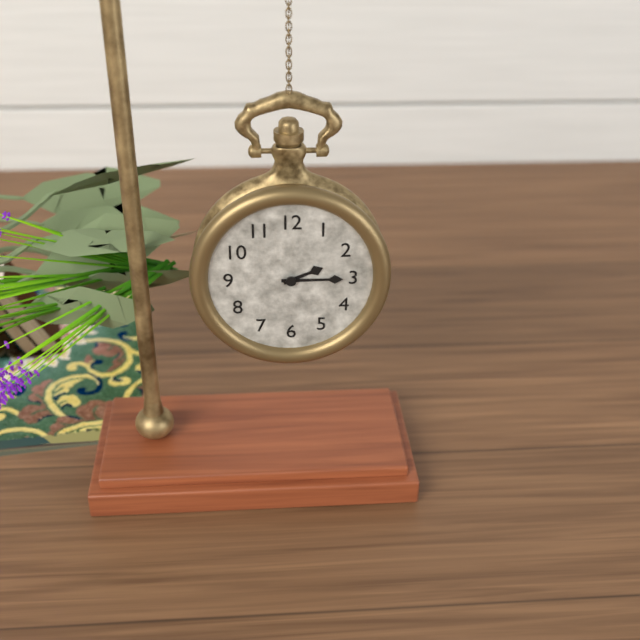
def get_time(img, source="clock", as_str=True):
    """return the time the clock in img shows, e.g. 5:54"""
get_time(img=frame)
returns 2:15
